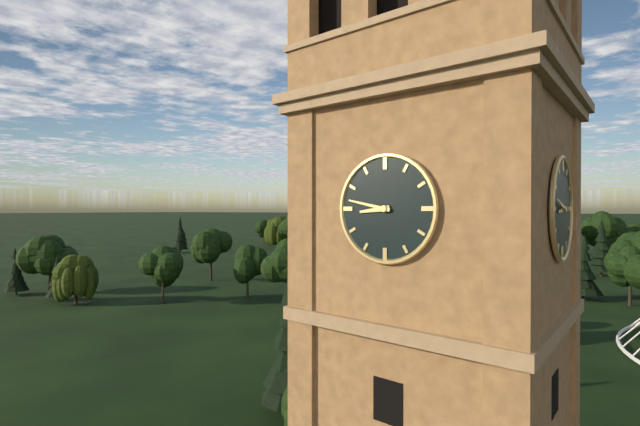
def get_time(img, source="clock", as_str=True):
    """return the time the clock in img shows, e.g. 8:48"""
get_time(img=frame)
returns 8:47
